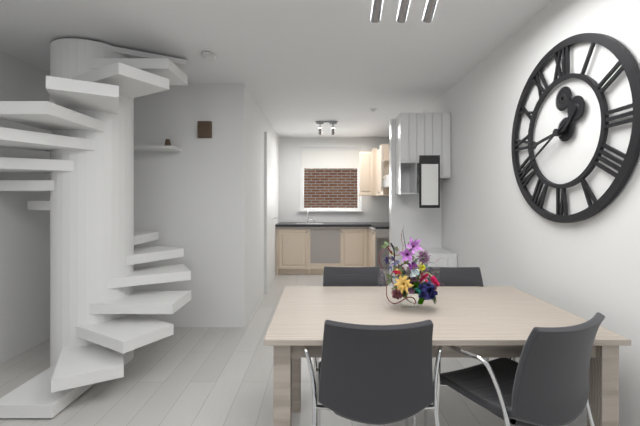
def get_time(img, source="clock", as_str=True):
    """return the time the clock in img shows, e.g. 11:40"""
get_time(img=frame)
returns 8:40
